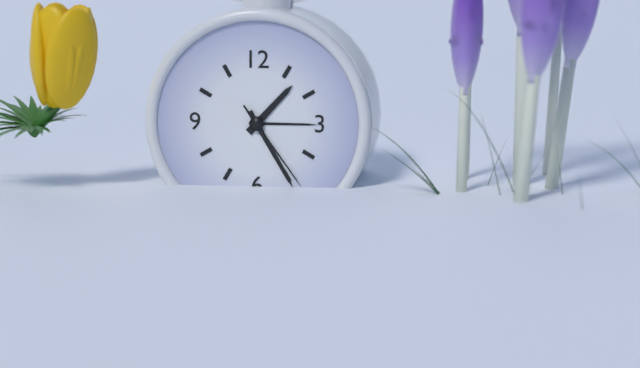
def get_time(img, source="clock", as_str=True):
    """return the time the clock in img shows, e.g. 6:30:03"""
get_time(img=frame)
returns 1:25:24
